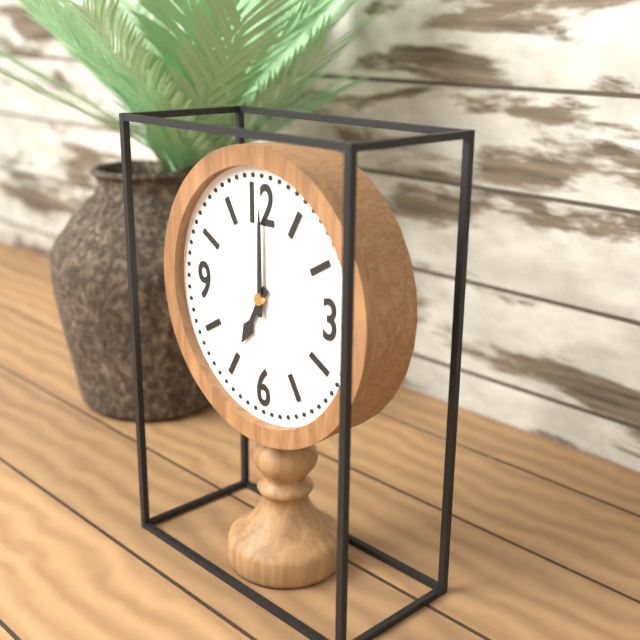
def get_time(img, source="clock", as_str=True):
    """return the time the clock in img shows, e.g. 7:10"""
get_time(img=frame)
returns 7:00
